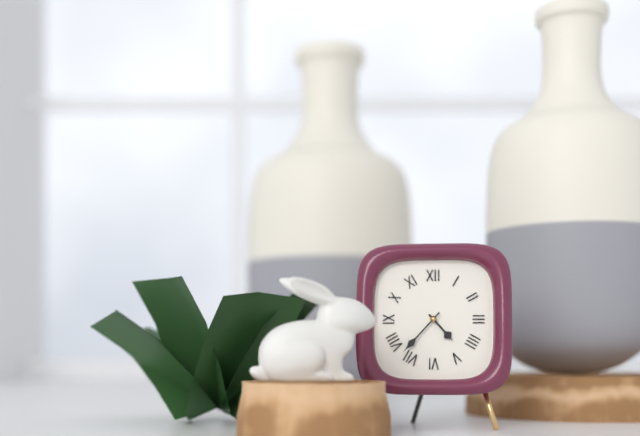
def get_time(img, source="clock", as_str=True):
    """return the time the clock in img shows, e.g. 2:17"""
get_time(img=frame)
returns 4:37
